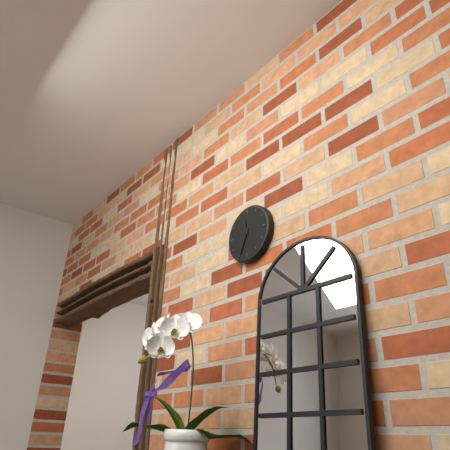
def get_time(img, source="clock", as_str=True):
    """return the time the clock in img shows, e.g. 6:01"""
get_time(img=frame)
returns 11:34
